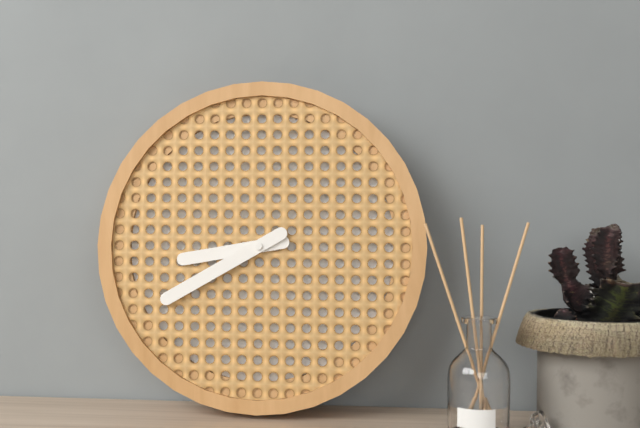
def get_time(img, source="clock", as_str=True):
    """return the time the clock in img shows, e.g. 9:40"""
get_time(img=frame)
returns 8:40
